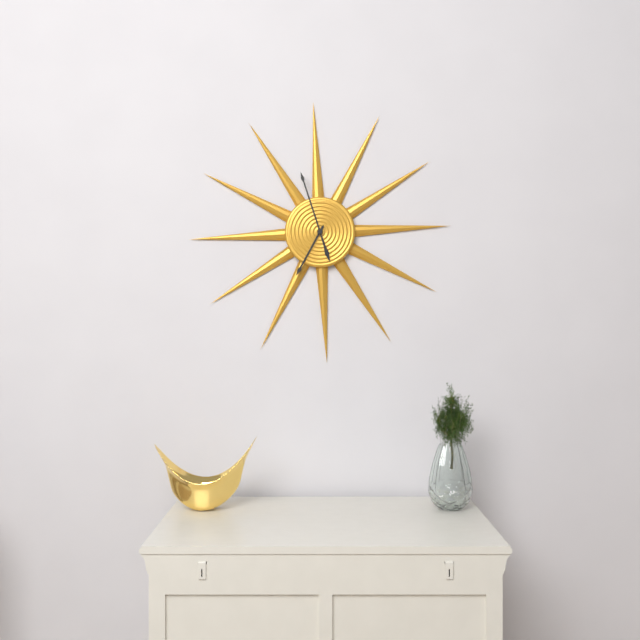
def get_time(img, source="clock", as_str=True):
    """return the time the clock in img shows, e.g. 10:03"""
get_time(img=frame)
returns 6:57
